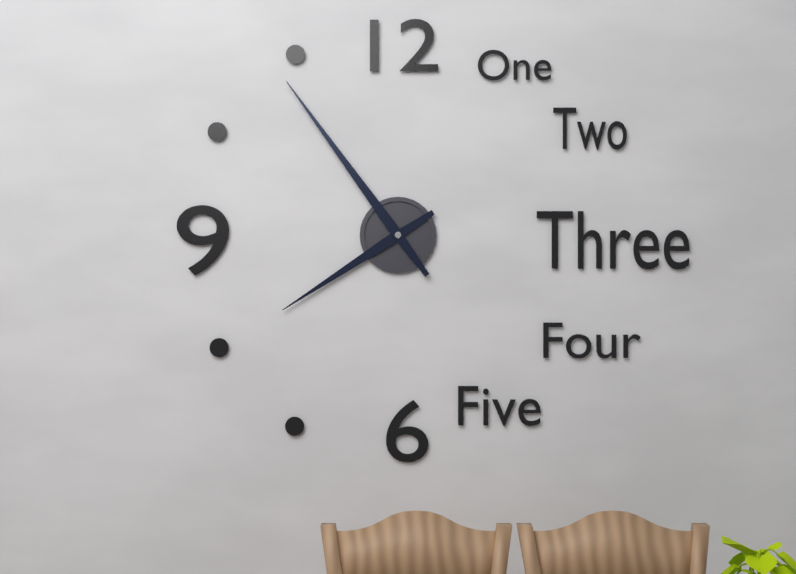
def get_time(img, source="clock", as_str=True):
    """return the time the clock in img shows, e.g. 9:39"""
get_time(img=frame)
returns 7:54
